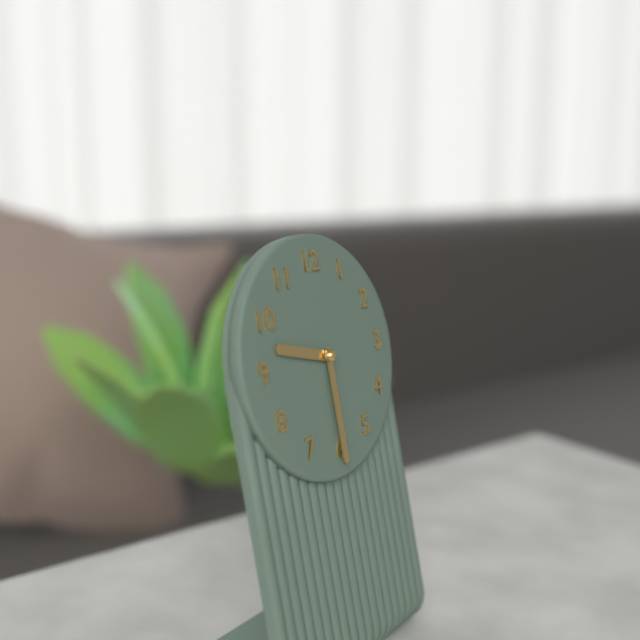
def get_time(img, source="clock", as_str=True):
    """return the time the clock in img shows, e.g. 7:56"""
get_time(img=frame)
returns 9:30
